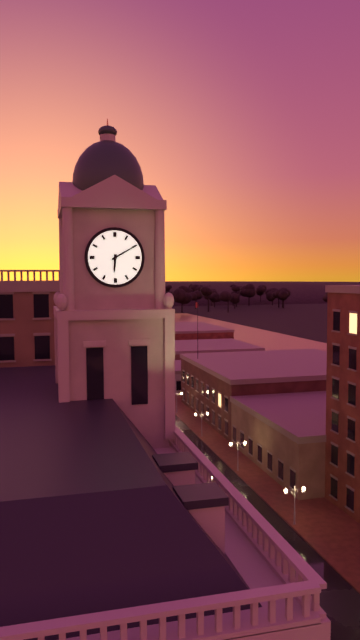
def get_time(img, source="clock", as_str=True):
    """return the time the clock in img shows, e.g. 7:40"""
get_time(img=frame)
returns 6:10
